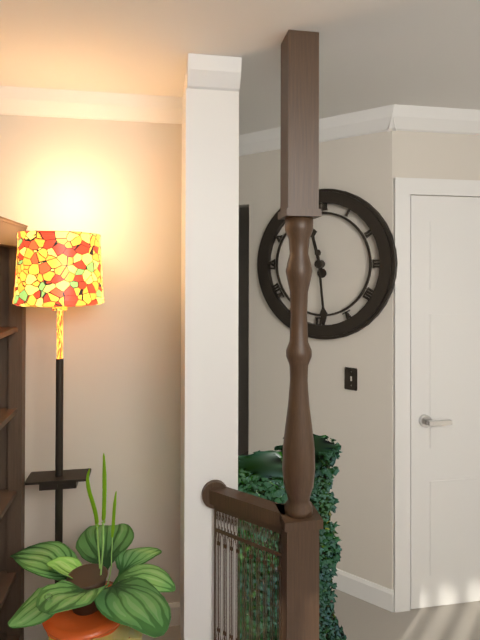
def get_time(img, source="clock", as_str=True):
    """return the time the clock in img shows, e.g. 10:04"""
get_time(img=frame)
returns 11:29
